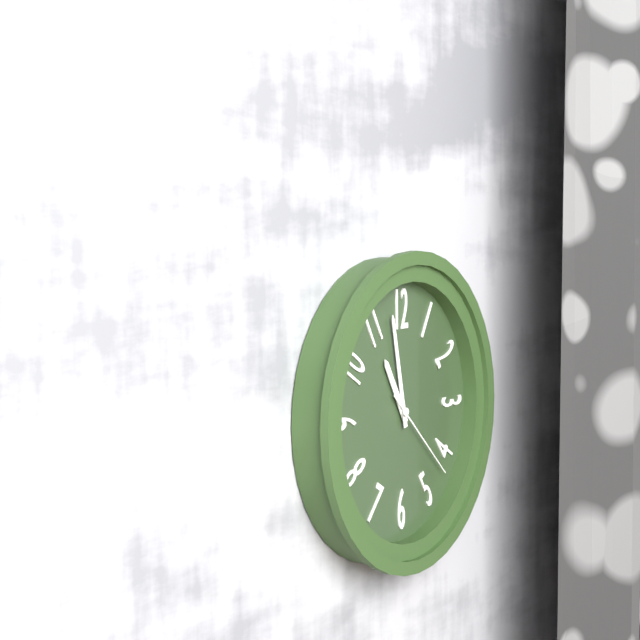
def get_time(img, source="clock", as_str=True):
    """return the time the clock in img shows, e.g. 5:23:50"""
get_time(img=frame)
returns 10:58:22
